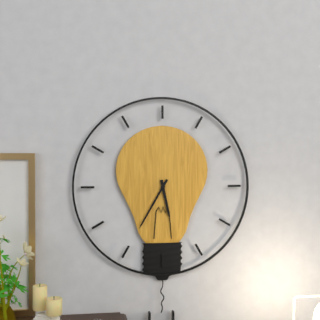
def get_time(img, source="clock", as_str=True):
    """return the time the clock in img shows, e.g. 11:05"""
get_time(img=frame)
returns 5:35
